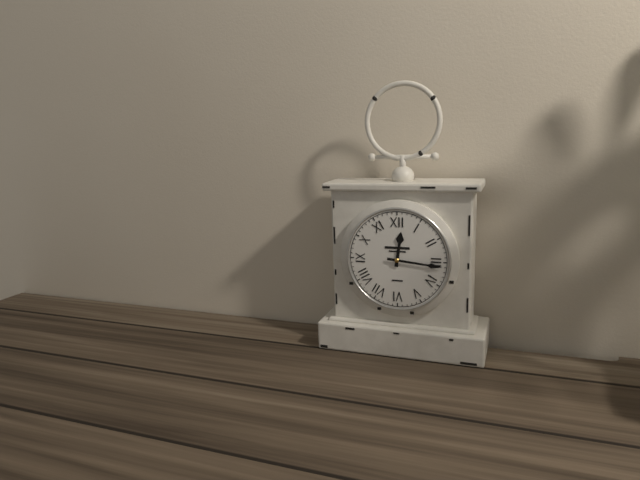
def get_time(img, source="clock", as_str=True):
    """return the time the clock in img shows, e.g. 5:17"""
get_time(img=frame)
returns 12:16
